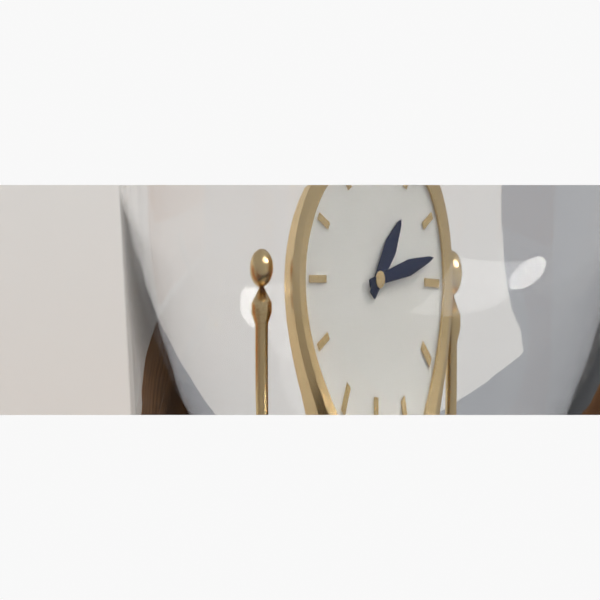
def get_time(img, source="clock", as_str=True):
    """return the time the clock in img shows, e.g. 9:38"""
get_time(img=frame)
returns 1:13
